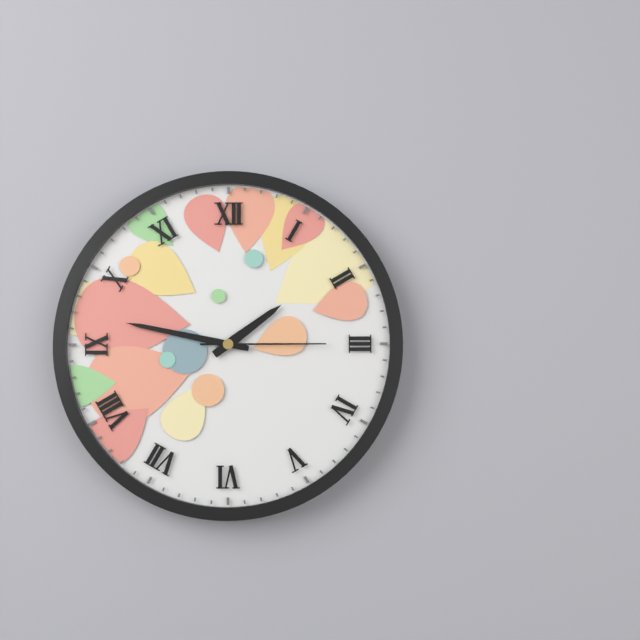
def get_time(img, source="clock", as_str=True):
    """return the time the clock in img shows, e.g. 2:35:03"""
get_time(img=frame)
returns 1:47:15
